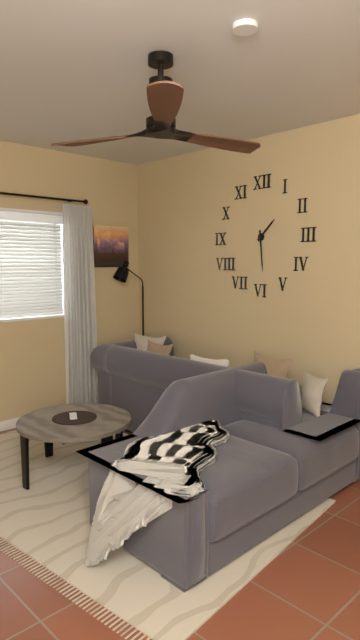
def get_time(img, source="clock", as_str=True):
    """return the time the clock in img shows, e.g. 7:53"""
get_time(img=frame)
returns 1:29
